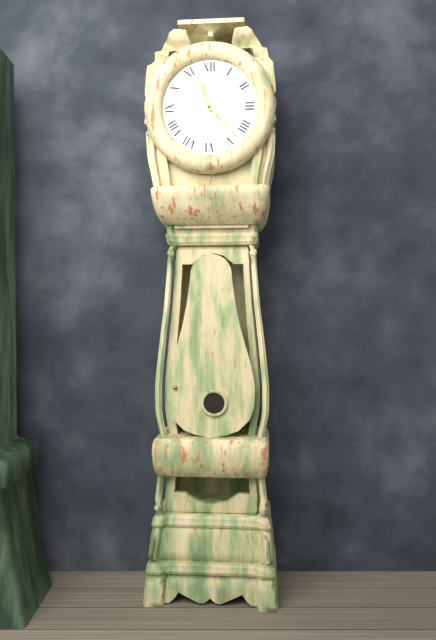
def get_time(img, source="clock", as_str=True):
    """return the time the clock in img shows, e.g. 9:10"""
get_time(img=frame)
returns 11:23
